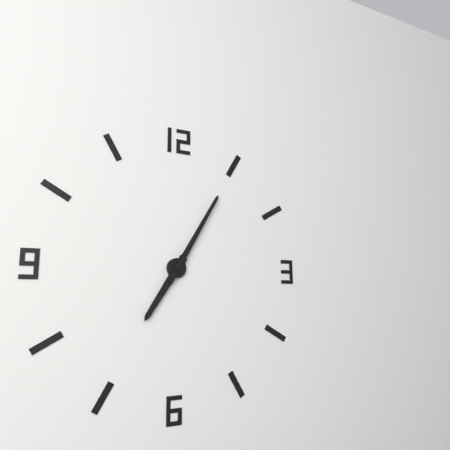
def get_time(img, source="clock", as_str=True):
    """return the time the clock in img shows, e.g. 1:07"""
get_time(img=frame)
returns 7:05
